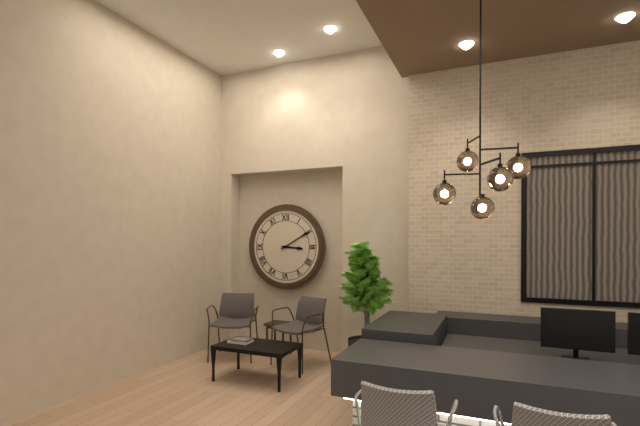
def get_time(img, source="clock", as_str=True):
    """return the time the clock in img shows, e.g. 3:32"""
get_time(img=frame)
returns 3:10
